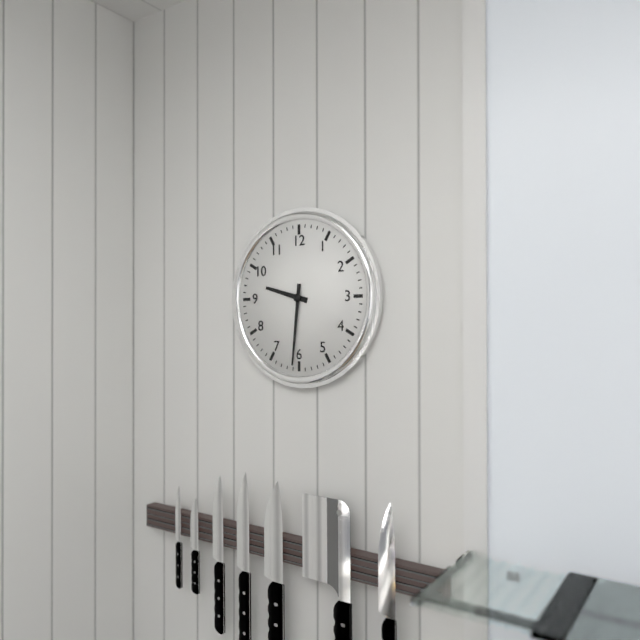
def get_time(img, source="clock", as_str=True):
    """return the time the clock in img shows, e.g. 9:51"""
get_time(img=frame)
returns 9:31
